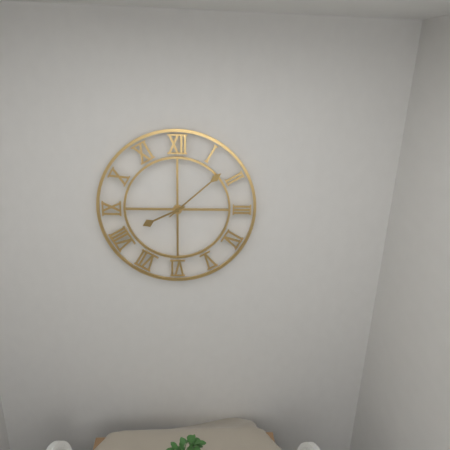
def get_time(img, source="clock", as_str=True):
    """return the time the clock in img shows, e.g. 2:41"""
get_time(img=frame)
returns 8:08
